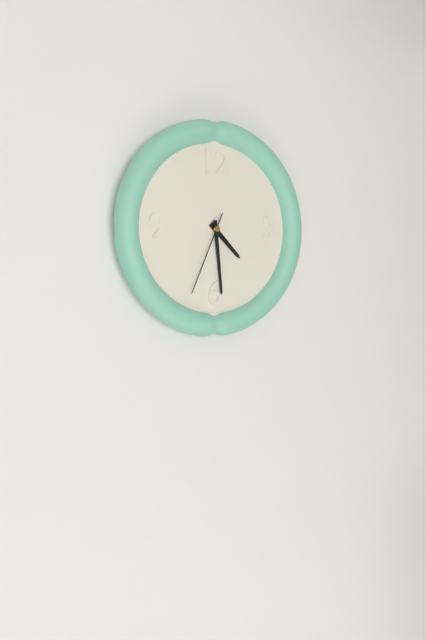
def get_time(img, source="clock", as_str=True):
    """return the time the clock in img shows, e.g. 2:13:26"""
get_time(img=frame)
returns 4:29:34
